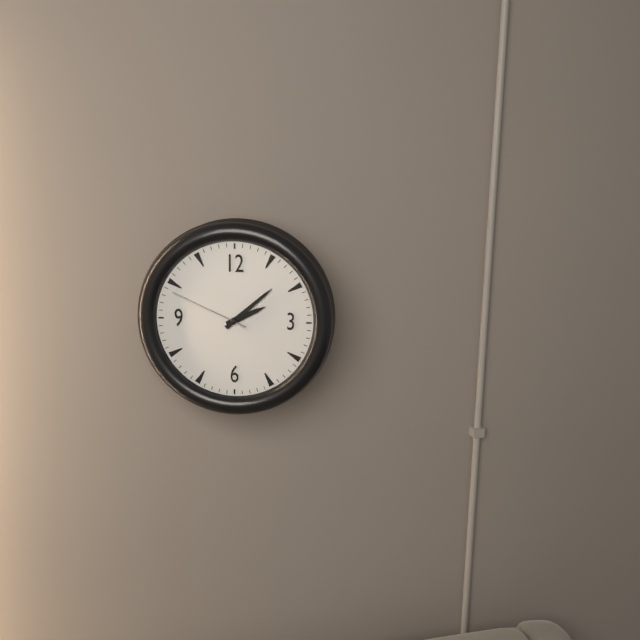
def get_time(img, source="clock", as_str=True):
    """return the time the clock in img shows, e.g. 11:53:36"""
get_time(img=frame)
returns 2:08:49
